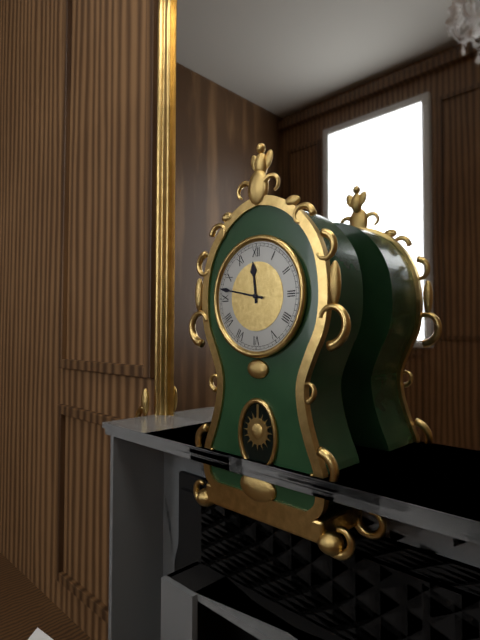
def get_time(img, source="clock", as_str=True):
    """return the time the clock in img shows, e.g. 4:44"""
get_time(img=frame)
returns 11:47
